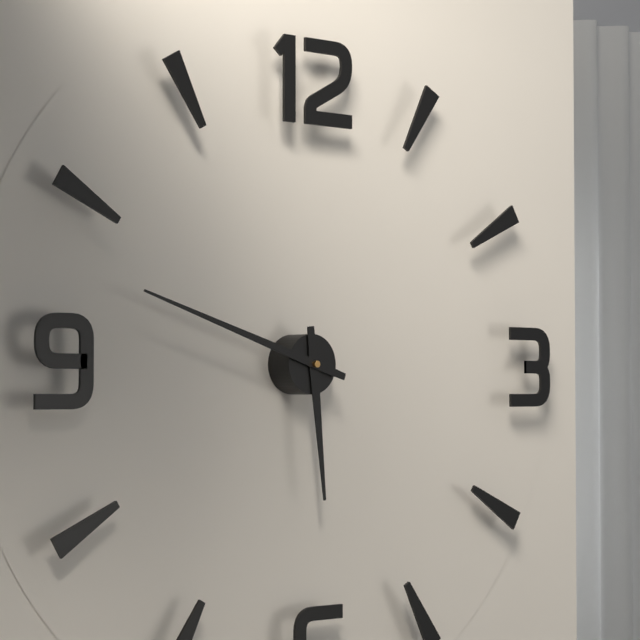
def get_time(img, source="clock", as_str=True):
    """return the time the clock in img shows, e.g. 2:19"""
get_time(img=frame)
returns 5:48
